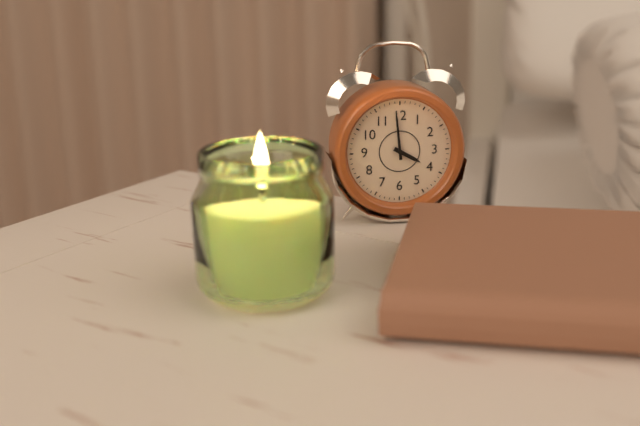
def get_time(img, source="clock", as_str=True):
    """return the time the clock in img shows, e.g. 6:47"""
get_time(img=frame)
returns 3:59
